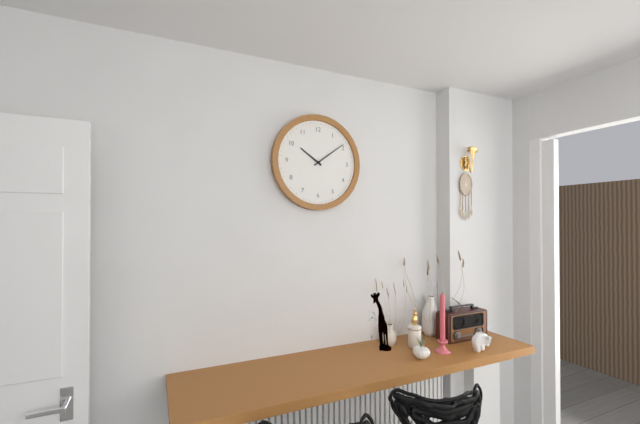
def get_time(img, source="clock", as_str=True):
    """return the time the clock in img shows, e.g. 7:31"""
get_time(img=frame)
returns 10:09
